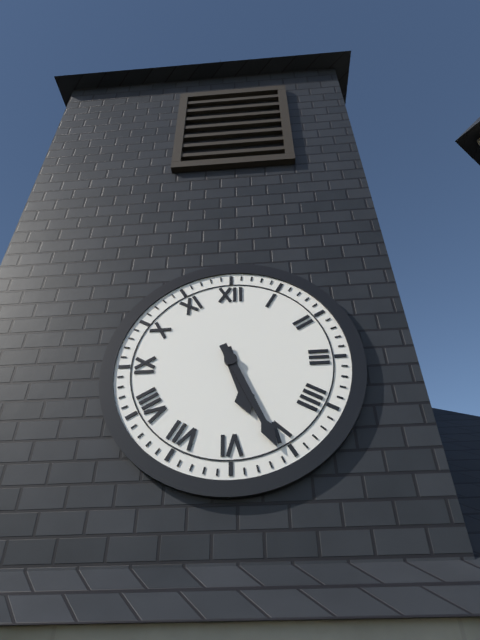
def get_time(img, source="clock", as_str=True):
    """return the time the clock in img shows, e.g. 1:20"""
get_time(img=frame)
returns 5:26
